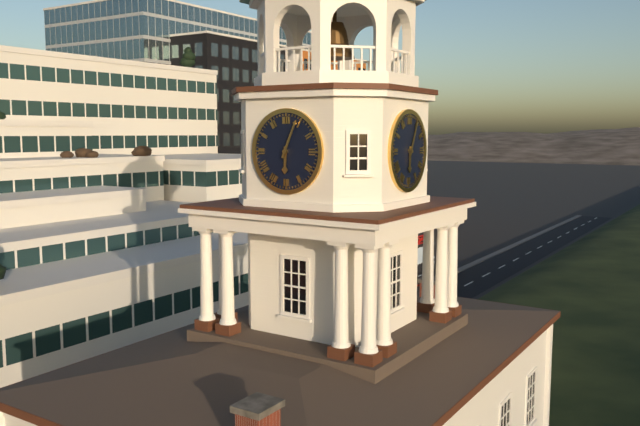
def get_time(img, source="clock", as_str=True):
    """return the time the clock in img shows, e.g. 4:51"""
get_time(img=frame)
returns 6:04
